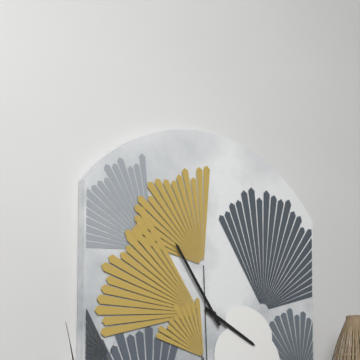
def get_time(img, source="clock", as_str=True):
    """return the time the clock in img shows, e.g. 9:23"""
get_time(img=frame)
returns 3:54
